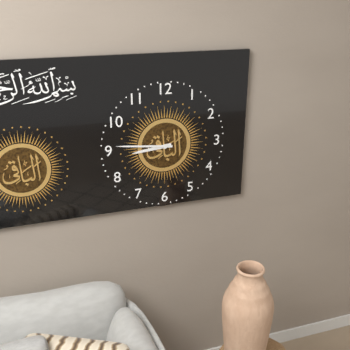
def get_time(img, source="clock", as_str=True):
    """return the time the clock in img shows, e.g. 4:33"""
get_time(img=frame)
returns 8:46
